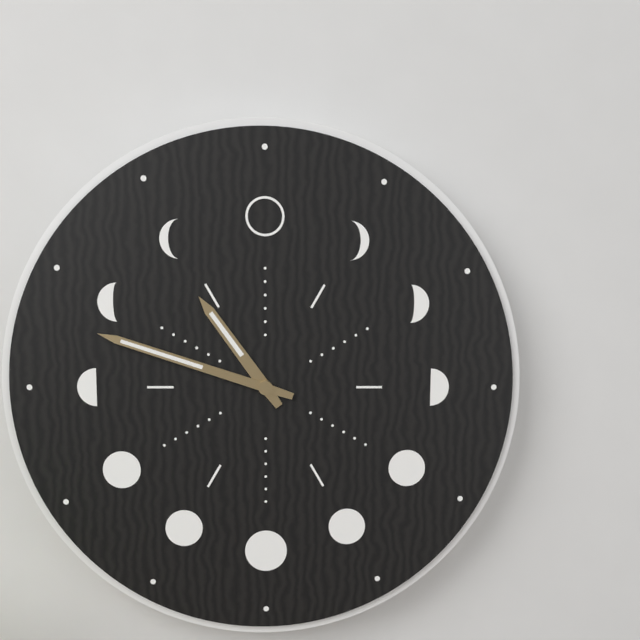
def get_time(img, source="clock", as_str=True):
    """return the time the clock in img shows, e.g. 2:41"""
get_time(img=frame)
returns 10:48
